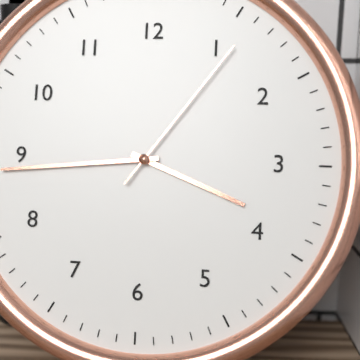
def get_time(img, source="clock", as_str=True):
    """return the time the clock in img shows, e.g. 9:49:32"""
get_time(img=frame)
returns 3:44:06
